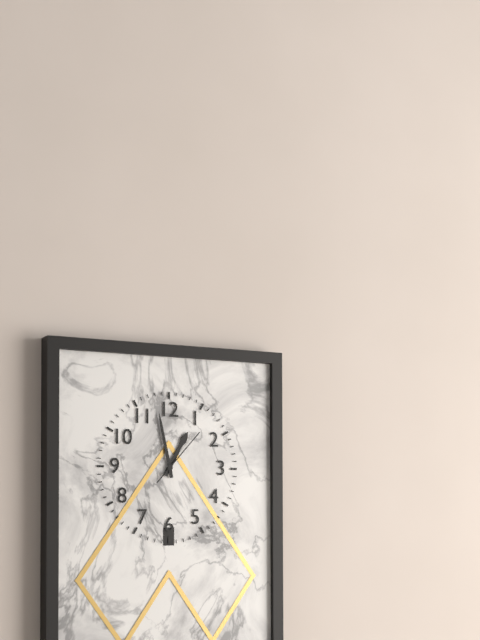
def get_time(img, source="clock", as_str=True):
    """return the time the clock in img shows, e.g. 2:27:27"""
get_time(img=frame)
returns 12:58:07
